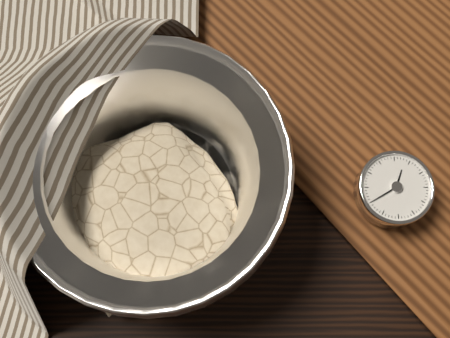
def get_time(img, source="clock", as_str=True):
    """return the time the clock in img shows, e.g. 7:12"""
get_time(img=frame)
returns 12:40
